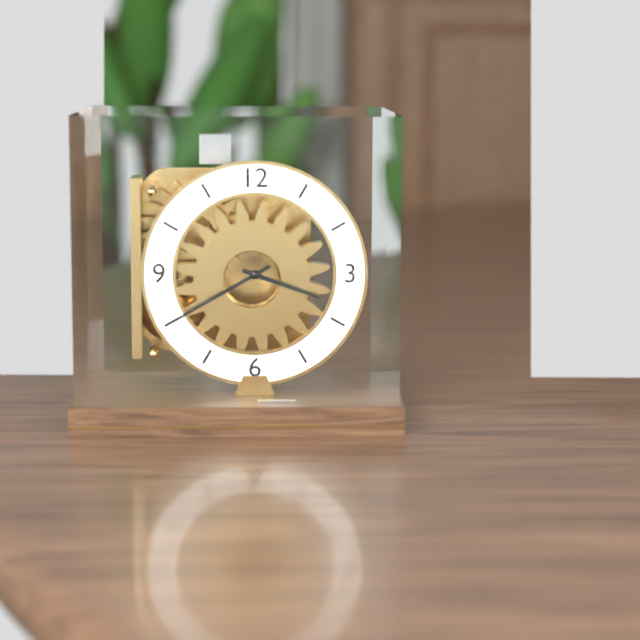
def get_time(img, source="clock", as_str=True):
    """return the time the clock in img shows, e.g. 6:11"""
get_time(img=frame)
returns 3:40
